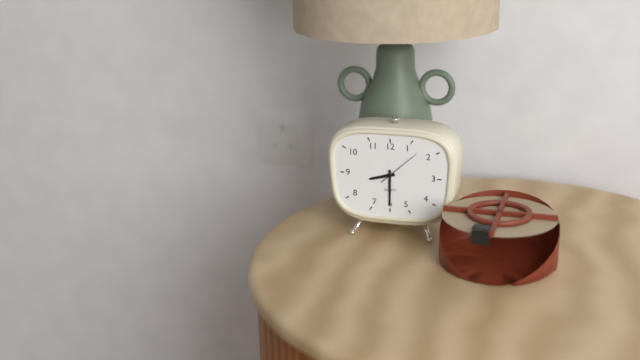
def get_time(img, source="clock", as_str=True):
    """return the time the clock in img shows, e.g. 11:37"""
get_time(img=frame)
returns 8:30
